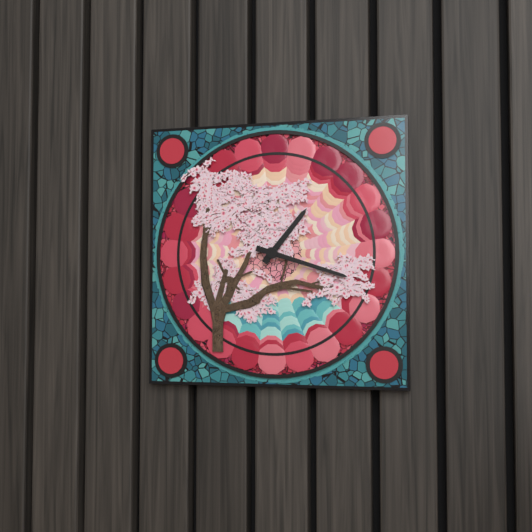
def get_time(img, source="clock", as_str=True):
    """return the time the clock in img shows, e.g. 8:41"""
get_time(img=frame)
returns 1:18
